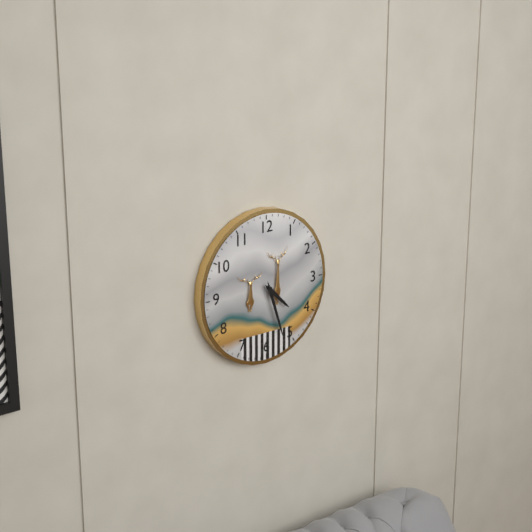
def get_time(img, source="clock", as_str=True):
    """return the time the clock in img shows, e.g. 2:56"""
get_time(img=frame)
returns 4:27
